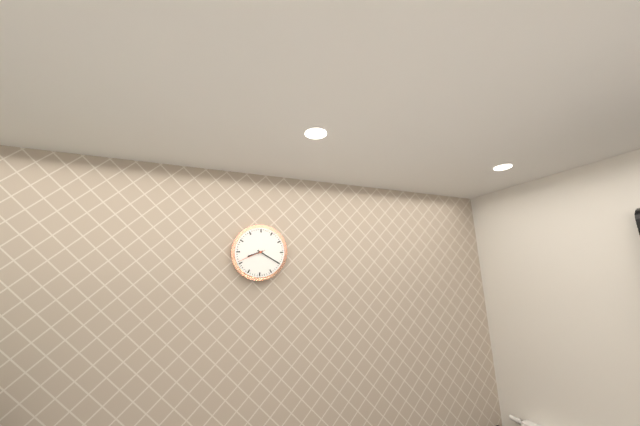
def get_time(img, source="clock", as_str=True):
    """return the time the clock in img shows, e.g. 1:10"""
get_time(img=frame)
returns 8:20
